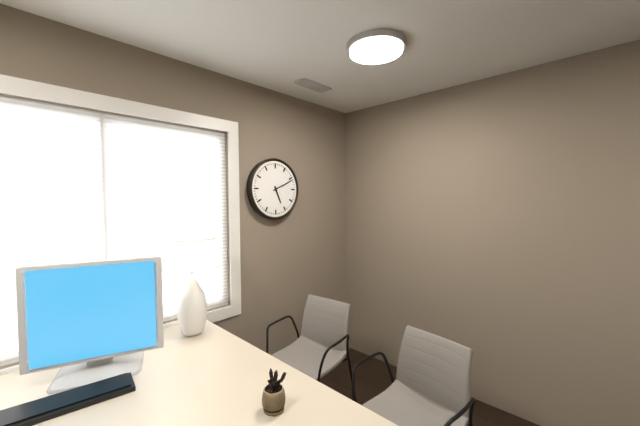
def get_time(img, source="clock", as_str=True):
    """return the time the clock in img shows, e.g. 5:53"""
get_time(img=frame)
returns 5:11
